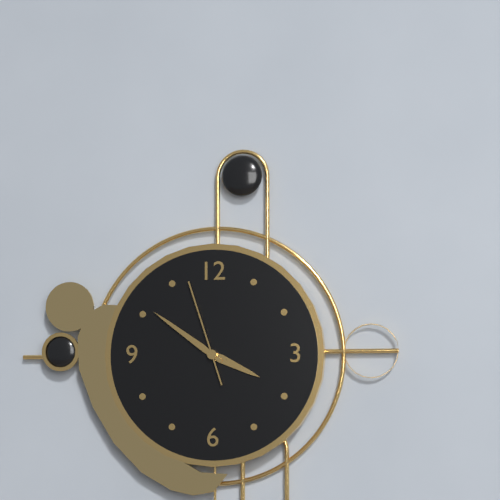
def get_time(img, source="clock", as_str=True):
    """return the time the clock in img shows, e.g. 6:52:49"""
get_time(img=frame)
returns 3:51:57
